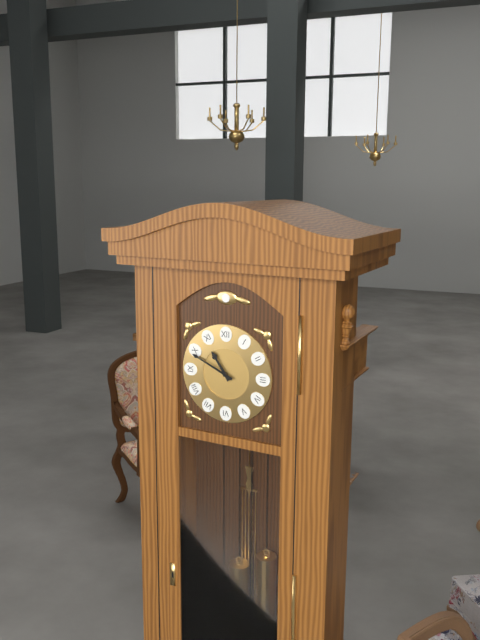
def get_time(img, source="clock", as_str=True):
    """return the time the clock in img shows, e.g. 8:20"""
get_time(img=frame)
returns 10:49
